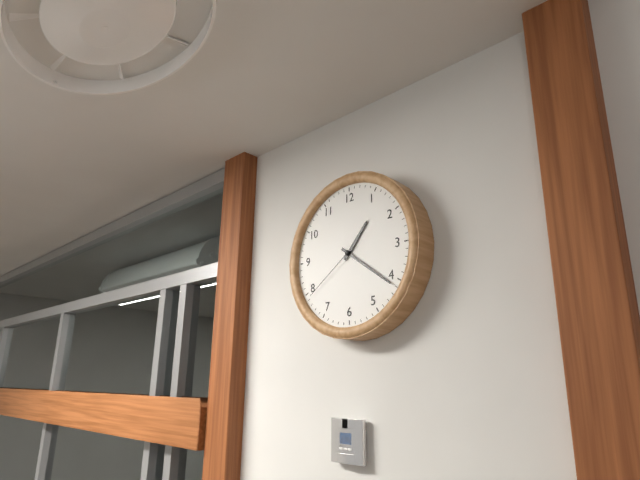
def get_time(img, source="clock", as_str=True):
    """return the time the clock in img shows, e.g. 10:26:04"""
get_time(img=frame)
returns 1:21:39
